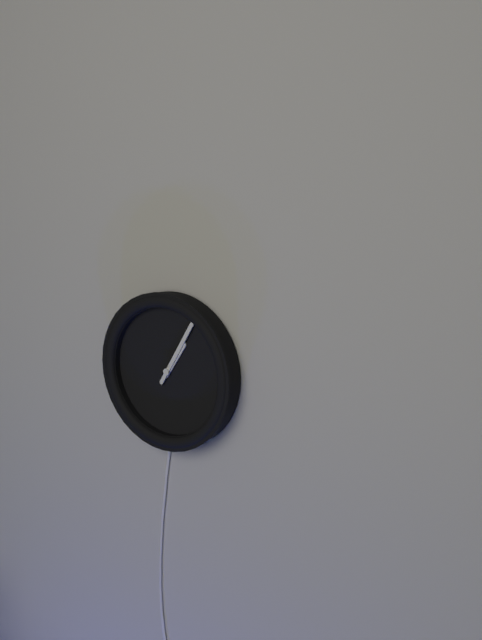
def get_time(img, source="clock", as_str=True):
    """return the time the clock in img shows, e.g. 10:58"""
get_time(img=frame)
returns 1:05
